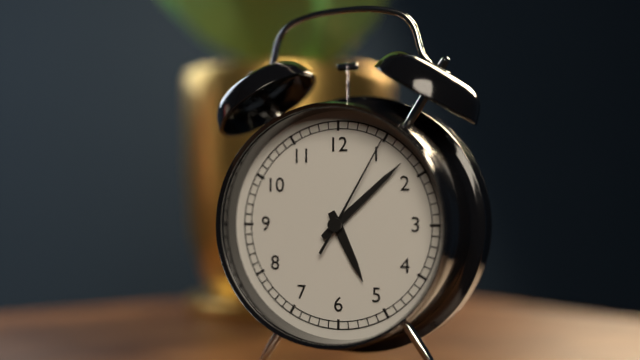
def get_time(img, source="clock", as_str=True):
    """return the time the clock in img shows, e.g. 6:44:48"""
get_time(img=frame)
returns 5:08:05
